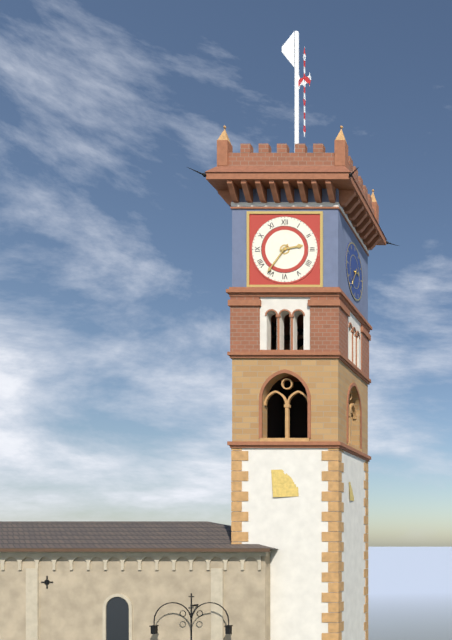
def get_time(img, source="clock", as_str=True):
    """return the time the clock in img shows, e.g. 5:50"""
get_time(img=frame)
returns 2:36
